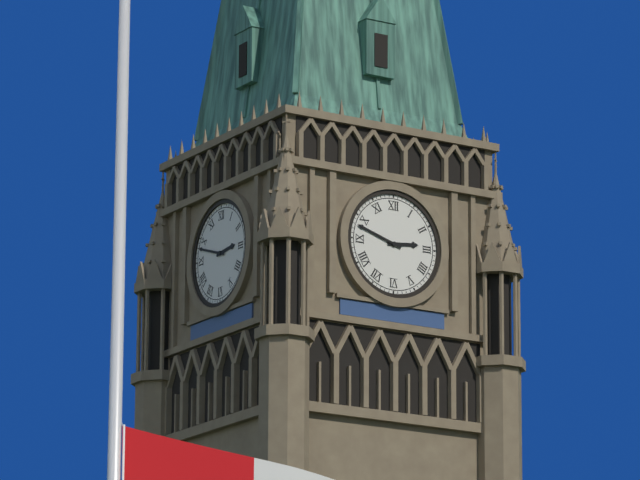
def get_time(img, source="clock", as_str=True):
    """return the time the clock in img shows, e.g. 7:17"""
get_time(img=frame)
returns 2:48
